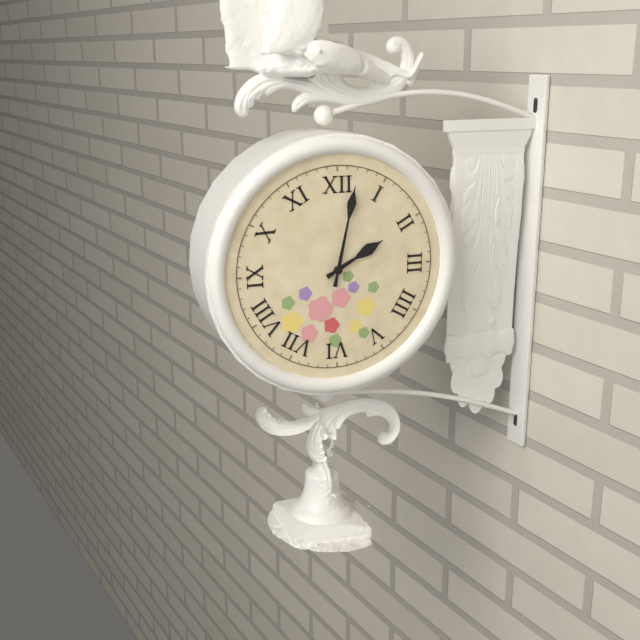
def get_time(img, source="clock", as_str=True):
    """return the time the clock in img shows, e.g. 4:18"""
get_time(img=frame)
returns 2:02
